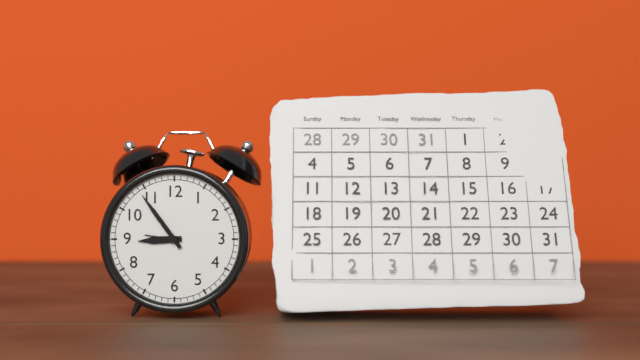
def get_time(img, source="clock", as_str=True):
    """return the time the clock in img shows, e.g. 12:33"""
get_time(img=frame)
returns 8:54
